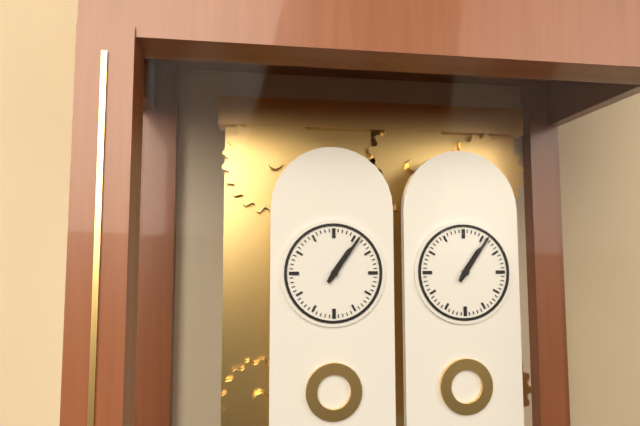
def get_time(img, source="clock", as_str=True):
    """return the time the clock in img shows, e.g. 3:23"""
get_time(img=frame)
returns 1:06
